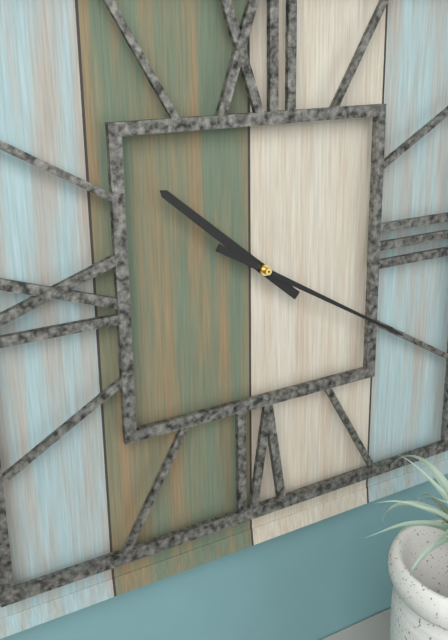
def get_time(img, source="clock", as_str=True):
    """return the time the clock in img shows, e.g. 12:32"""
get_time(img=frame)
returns 10:20
